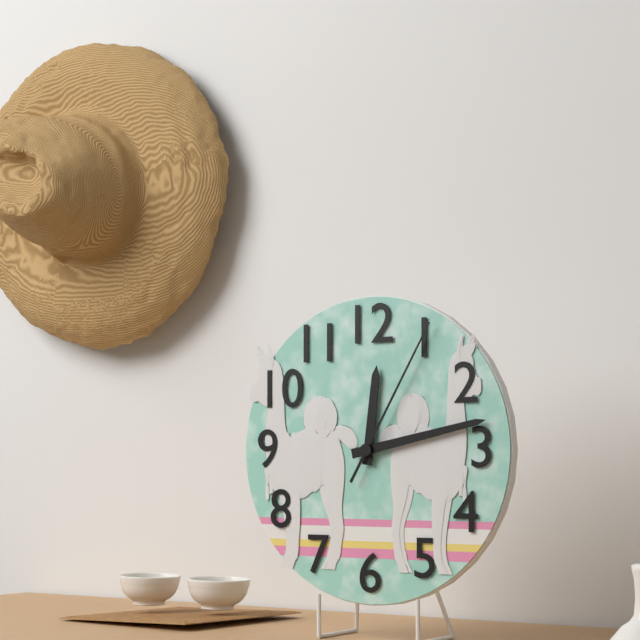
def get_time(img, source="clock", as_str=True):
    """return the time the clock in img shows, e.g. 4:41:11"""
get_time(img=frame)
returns 12:13:05
